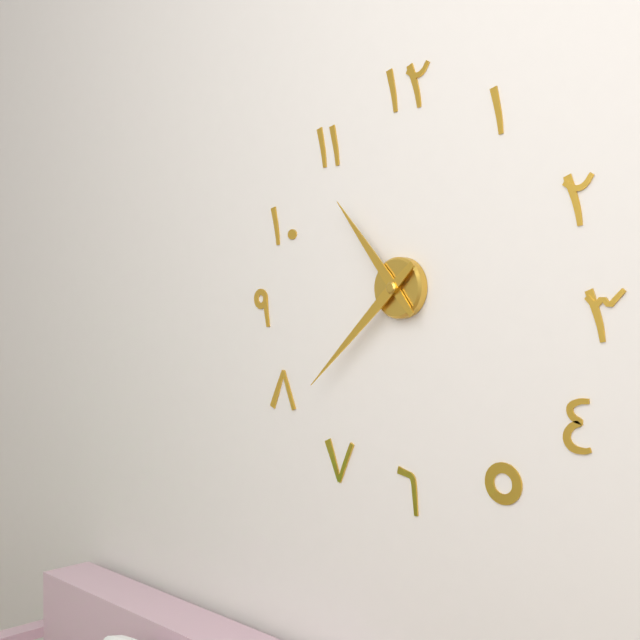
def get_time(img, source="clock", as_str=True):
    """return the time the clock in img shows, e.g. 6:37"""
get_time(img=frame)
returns 10:38
